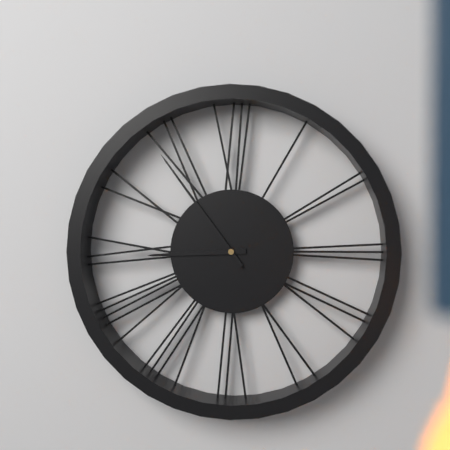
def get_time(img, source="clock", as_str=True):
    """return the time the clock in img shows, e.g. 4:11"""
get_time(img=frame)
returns 8:54
